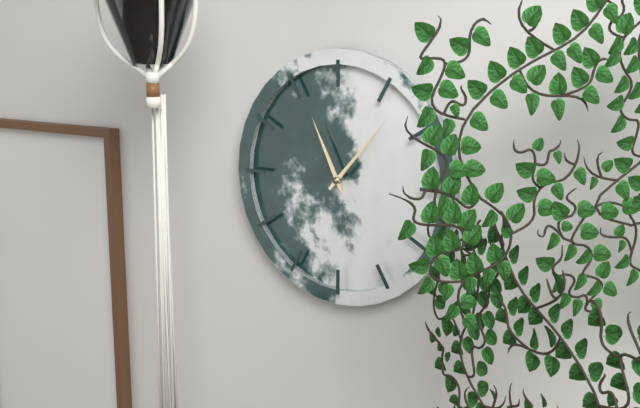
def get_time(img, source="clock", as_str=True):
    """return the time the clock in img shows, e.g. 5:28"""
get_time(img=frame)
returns 11:07
